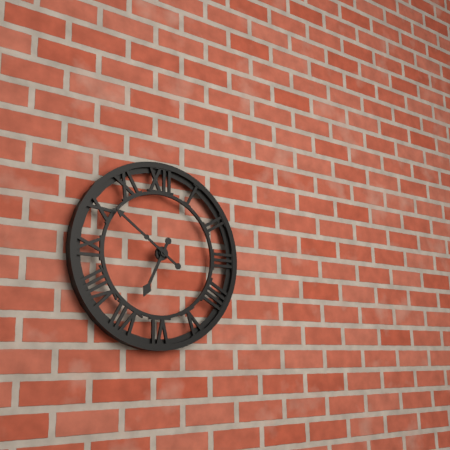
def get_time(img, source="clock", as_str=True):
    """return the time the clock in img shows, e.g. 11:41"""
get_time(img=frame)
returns 6:51
